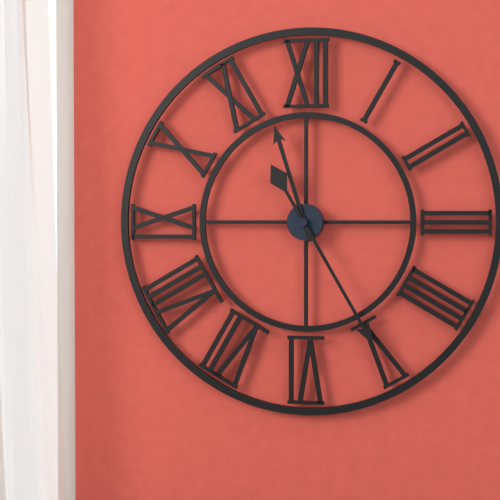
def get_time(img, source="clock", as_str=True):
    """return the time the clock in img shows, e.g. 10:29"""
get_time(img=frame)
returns 11:25
